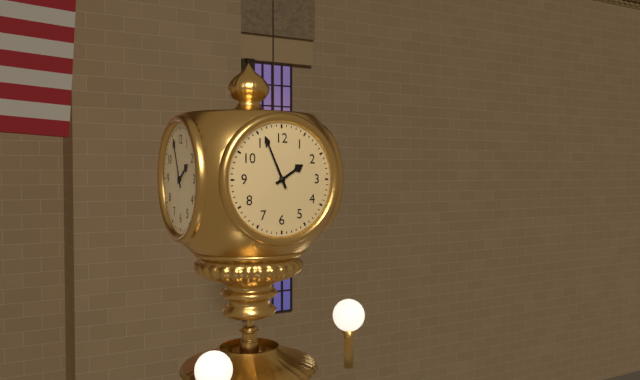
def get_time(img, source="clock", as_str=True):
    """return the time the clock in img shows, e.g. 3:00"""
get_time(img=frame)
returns 1:56
